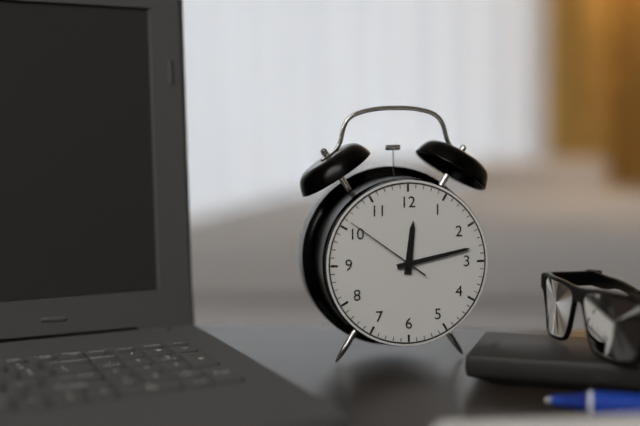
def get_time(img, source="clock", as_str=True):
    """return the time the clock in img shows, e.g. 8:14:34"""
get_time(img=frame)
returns 12:13:51
